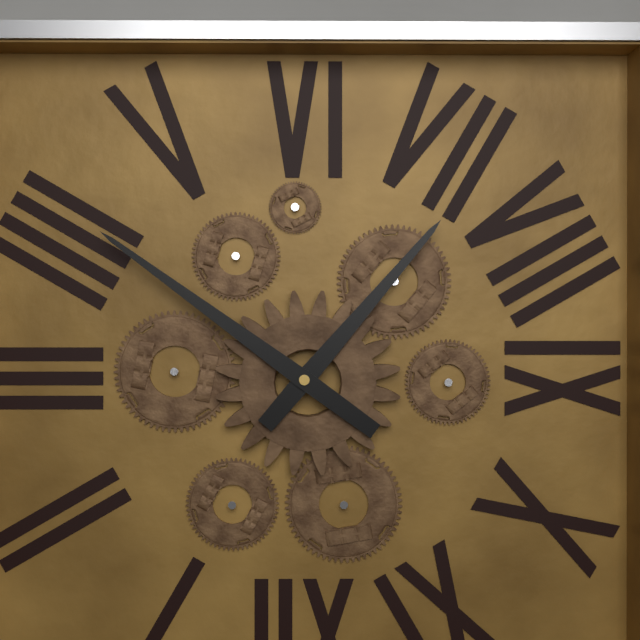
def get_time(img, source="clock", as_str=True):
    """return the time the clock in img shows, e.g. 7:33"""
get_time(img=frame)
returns 7:21
